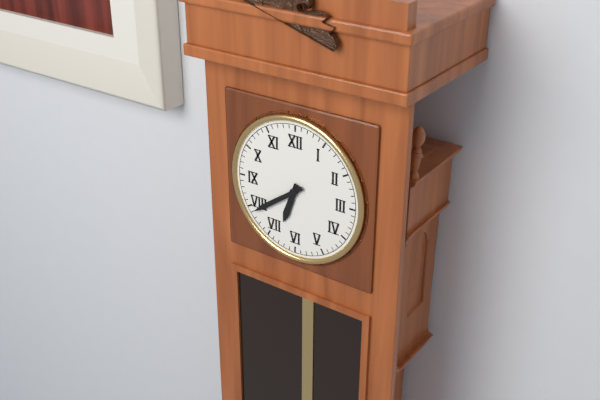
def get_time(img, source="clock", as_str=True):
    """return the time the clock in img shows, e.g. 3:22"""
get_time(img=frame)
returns 6:39
